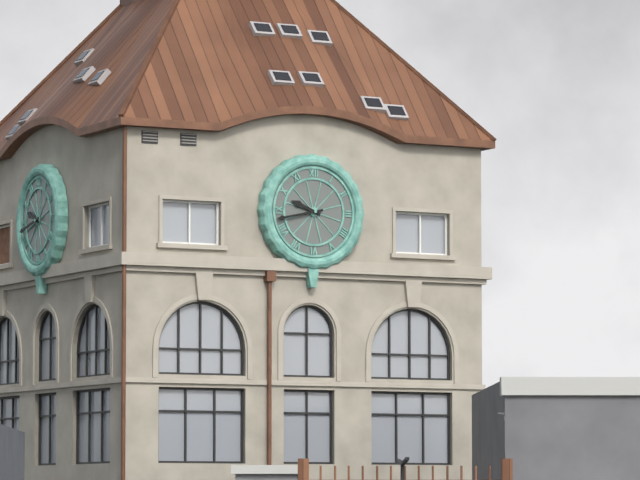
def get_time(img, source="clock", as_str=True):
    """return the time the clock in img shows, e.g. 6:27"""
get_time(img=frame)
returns 9:43
